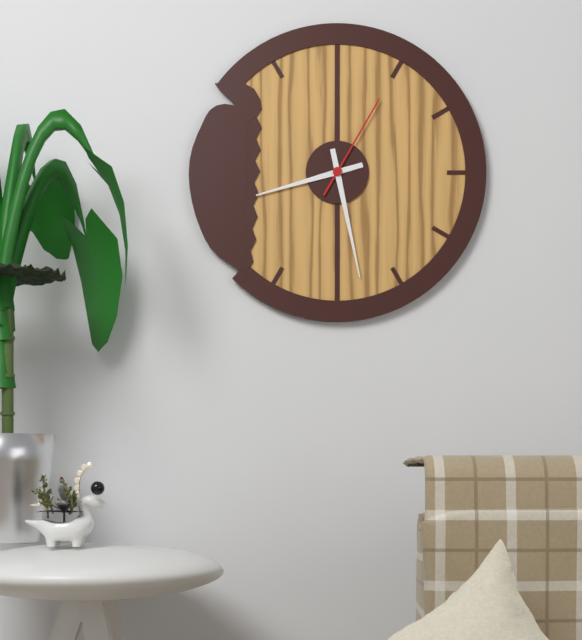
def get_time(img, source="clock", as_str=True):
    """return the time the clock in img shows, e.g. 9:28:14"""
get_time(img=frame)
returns 8:28:05
